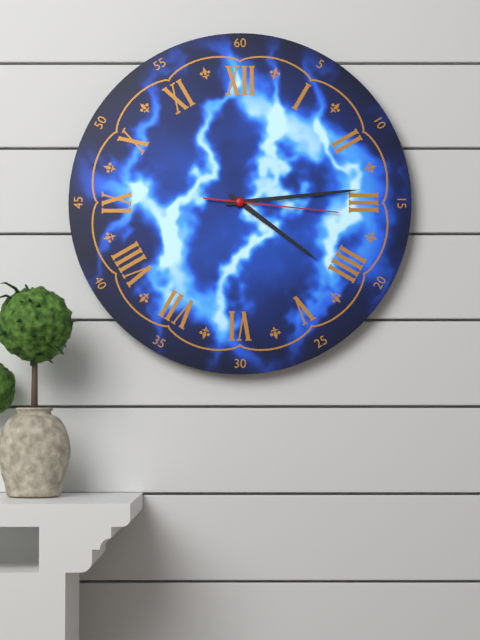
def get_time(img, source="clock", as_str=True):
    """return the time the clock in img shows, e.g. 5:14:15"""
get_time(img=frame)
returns 4:14:16
